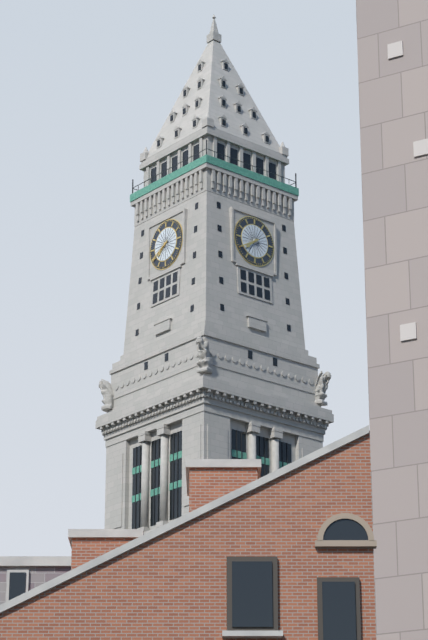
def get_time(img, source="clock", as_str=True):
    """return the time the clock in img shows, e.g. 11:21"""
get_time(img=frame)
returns 7:40
